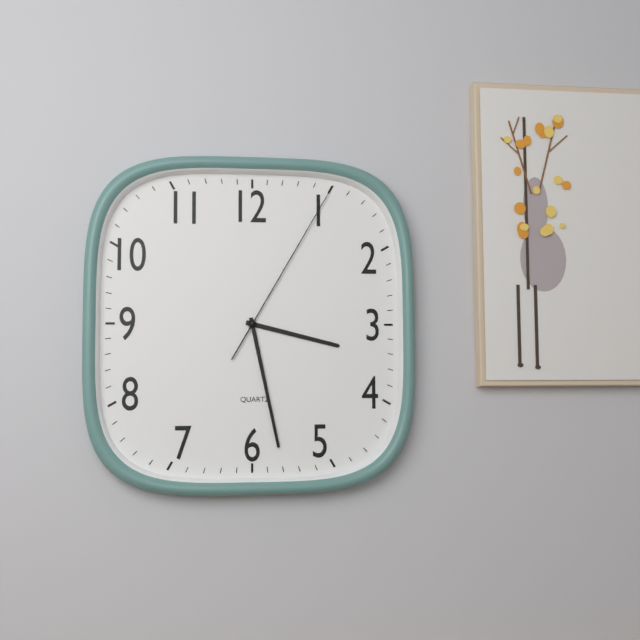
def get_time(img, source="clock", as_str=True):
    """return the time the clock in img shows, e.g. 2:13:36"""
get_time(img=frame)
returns 3:28:05
